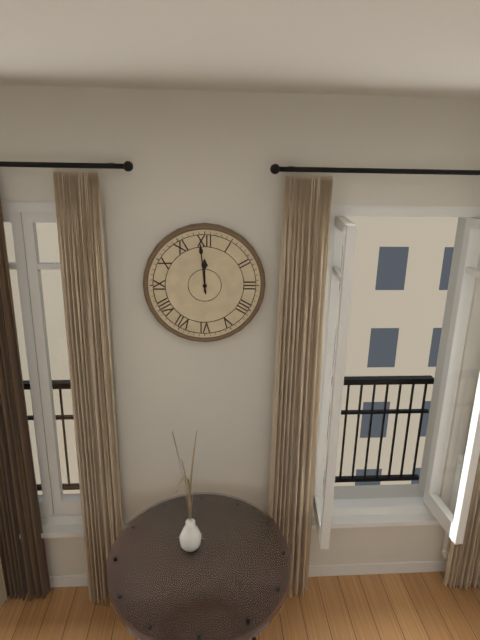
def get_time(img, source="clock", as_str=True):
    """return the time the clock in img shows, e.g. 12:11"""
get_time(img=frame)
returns 11:59
